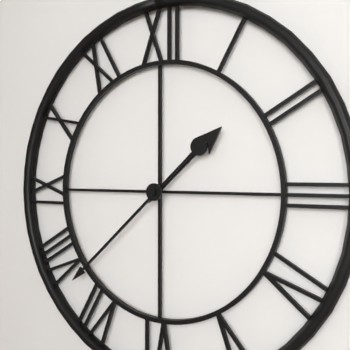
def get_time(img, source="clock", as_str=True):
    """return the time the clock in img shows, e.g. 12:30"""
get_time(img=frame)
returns 1:38
